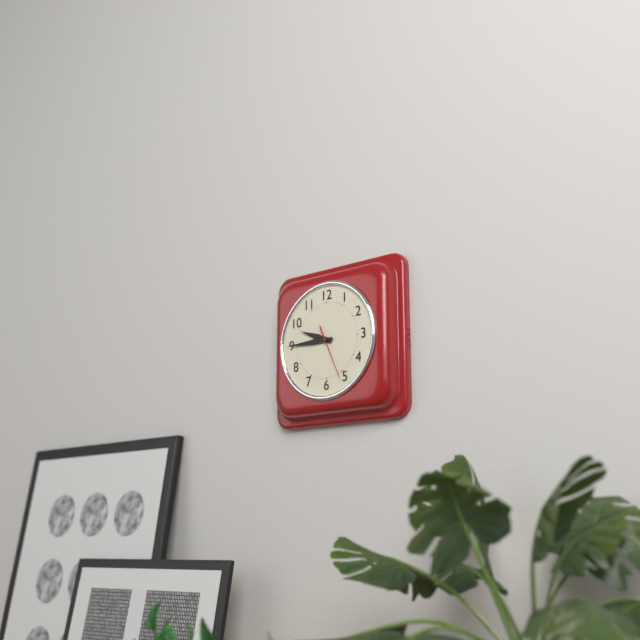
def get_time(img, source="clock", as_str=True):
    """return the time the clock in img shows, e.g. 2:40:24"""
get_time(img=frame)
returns 9:45:26
